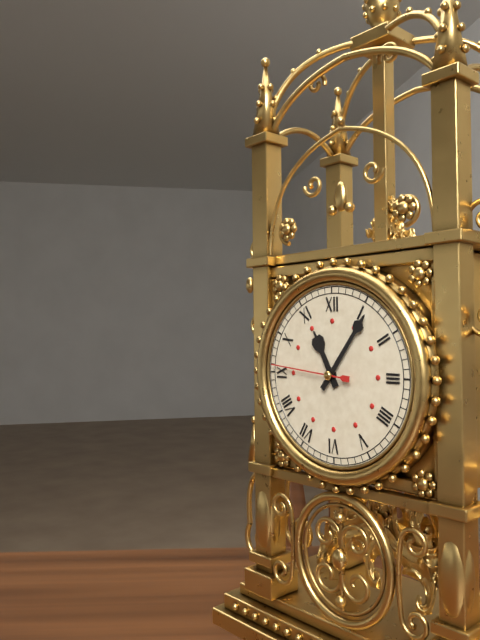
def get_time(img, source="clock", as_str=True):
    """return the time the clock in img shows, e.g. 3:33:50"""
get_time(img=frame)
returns 11:06:46
